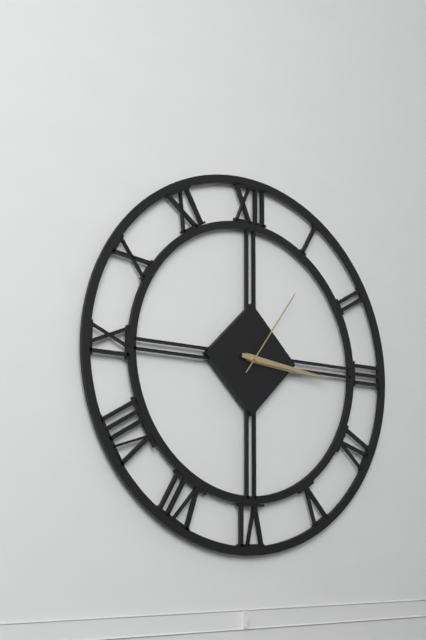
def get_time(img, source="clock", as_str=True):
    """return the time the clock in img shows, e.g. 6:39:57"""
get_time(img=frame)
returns 3:16:06
